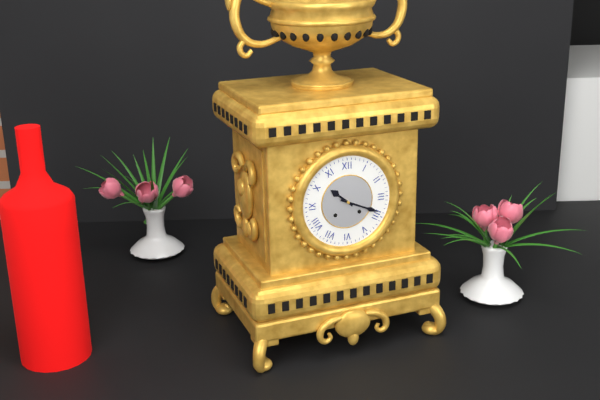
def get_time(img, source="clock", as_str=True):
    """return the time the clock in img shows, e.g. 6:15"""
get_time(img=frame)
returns 10:19
